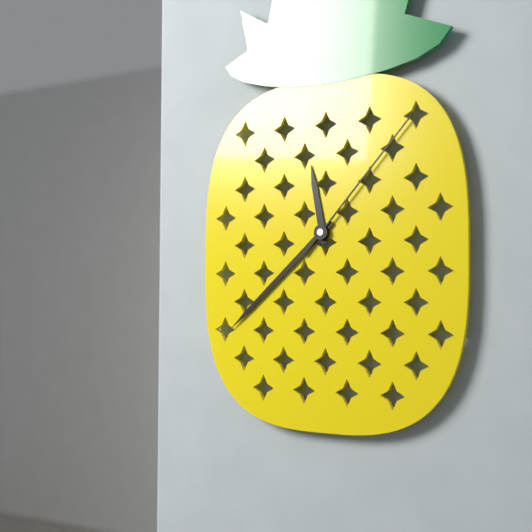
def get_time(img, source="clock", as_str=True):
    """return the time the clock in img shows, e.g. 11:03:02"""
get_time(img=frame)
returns 11:38:07
